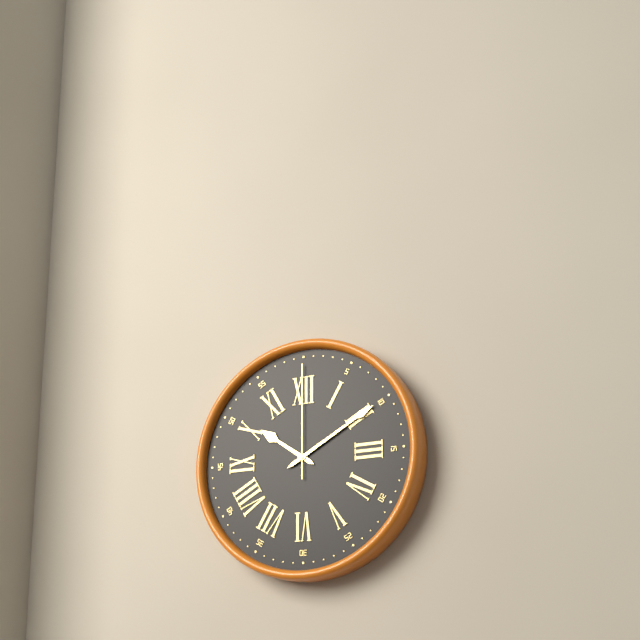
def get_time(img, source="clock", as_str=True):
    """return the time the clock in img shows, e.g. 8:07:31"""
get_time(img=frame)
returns 10:10:00
